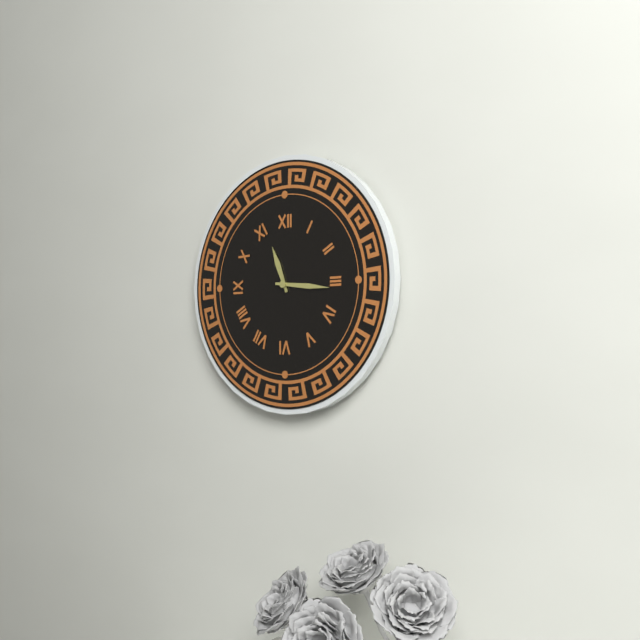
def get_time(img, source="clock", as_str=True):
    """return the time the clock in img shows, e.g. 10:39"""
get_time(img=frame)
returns 11:16
